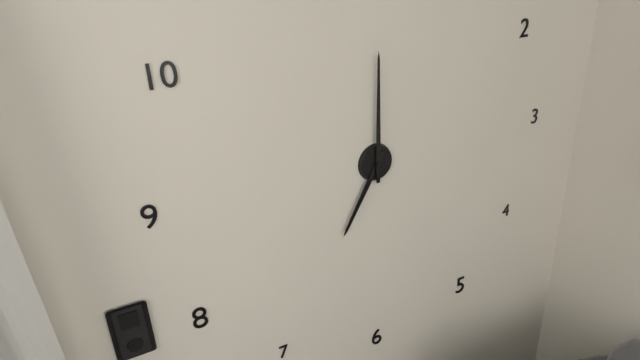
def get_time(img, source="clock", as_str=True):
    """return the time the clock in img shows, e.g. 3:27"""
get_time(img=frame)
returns 7:00
